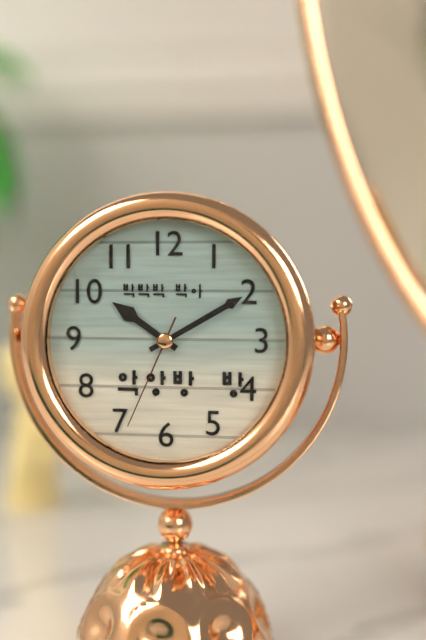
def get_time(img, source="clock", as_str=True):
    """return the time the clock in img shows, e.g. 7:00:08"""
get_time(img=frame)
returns 10:10:34
